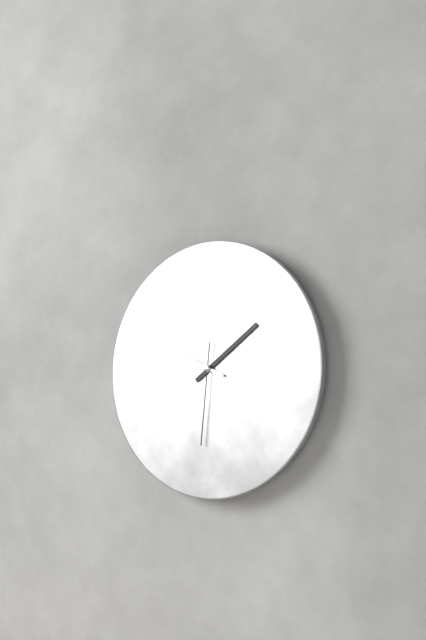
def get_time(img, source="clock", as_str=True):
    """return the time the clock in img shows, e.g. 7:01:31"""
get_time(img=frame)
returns 1:49:31
